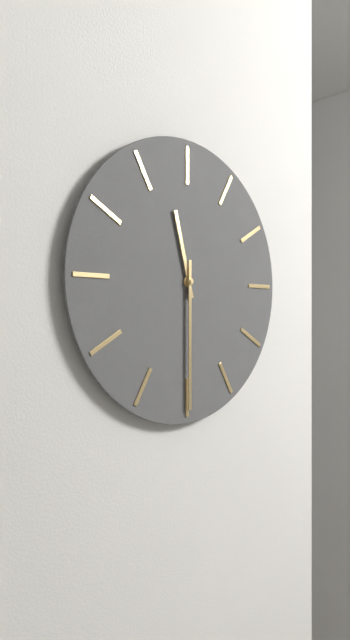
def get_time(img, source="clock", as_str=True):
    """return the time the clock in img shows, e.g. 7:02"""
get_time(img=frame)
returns 11:30
